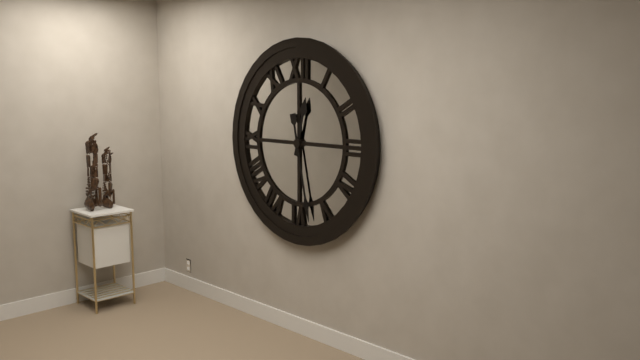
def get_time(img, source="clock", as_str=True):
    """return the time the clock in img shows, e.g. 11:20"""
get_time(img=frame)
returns 12:28
